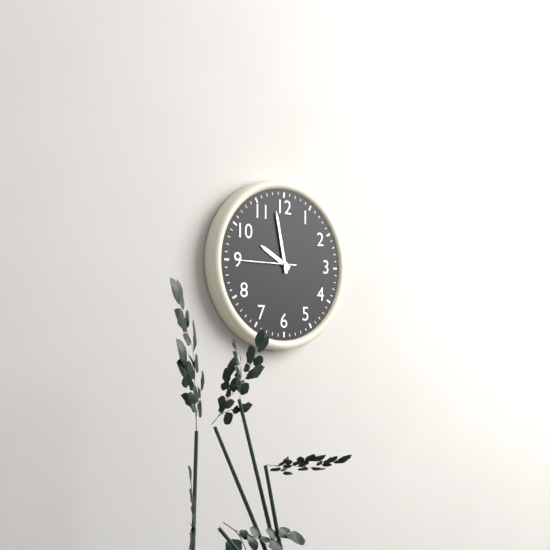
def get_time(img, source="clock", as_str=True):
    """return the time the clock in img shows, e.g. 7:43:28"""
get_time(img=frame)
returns 9:58:45
